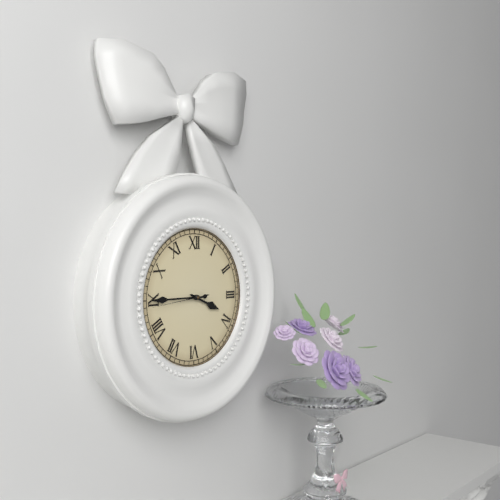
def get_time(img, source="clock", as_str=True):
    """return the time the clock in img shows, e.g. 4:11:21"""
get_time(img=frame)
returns 3:45:44
